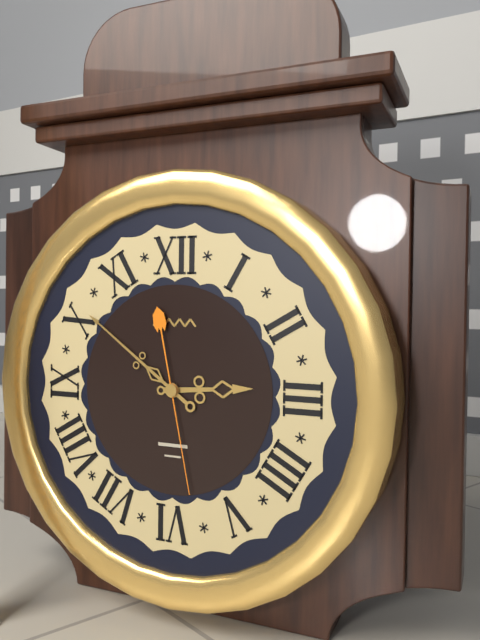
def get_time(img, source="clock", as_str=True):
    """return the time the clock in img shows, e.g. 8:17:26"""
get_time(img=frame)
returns 2:51:28
